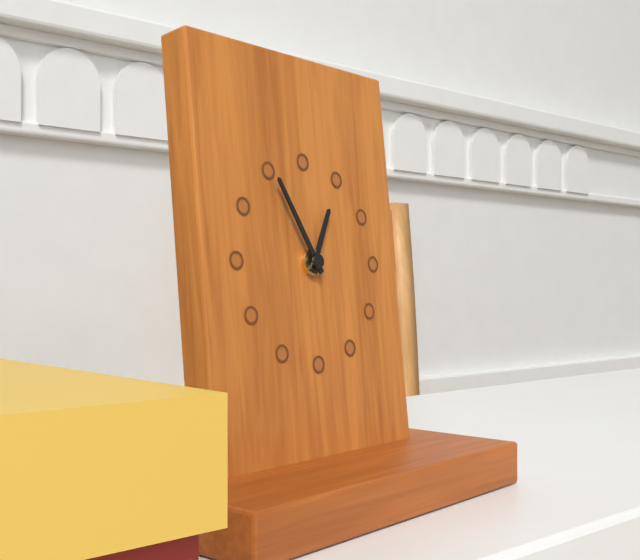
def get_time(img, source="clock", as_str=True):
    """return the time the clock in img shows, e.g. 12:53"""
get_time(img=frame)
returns 12:55
